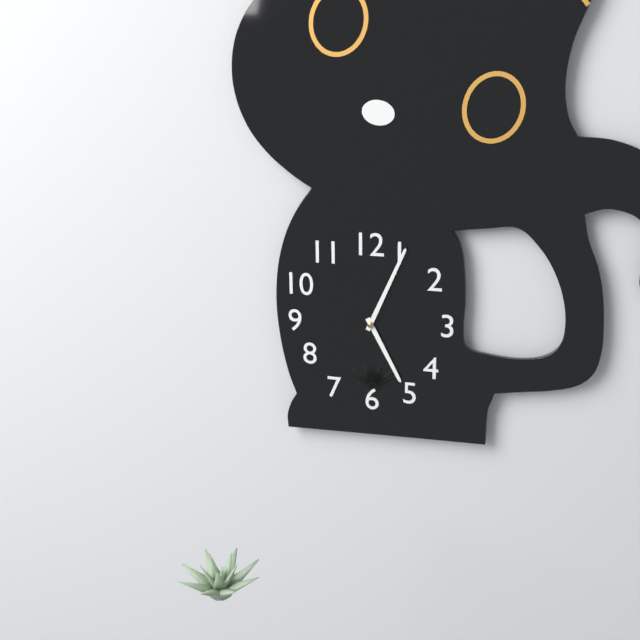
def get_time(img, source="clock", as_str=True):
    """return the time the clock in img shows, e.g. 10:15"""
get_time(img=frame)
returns 5:04
